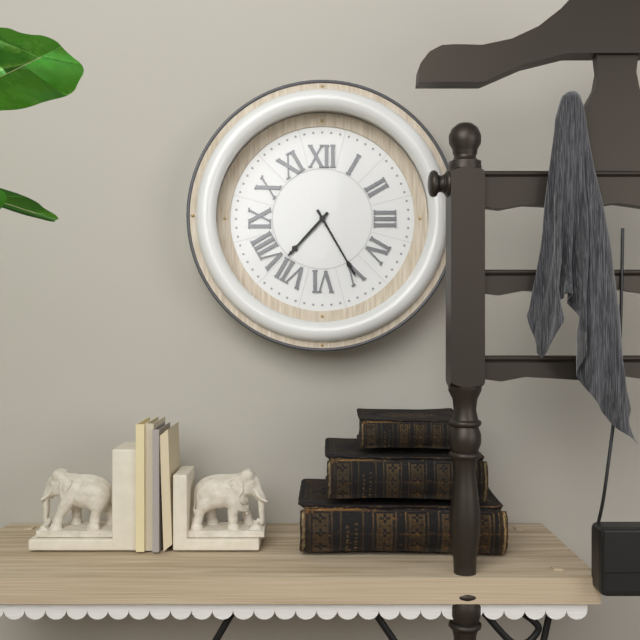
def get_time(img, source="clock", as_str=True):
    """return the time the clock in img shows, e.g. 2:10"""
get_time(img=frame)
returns 7:25
